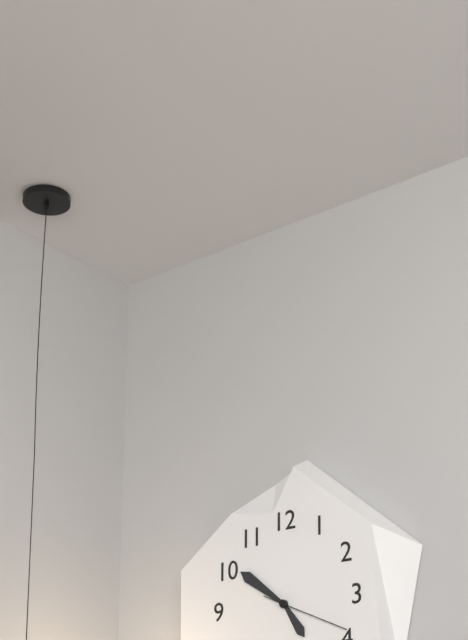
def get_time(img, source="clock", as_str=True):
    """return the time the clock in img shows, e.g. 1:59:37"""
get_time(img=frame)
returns 4:51:19
